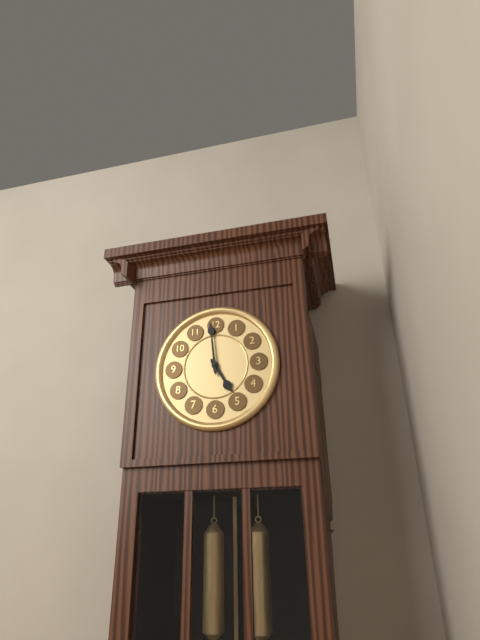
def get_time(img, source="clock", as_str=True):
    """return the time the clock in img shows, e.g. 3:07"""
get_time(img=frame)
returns 4:59
